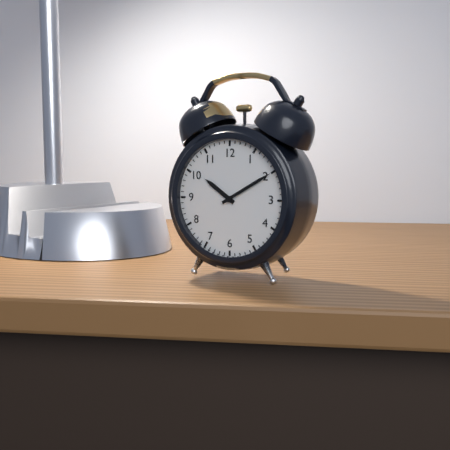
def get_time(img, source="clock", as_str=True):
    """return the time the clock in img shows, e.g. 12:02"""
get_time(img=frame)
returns 10:10
